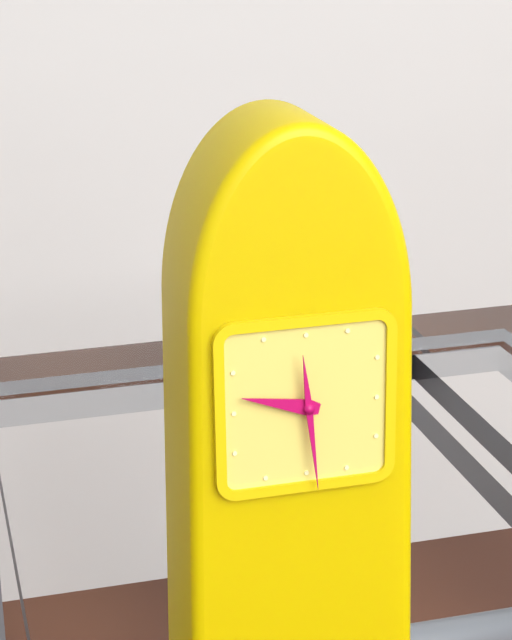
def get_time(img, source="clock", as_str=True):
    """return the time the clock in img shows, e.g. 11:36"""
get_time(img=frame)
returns 9:29
